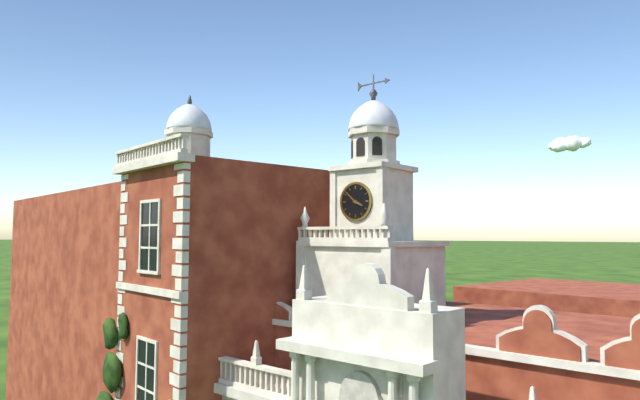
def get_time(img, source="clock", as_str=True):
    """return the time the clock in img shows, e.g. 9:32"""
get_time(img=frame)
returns 3:52
